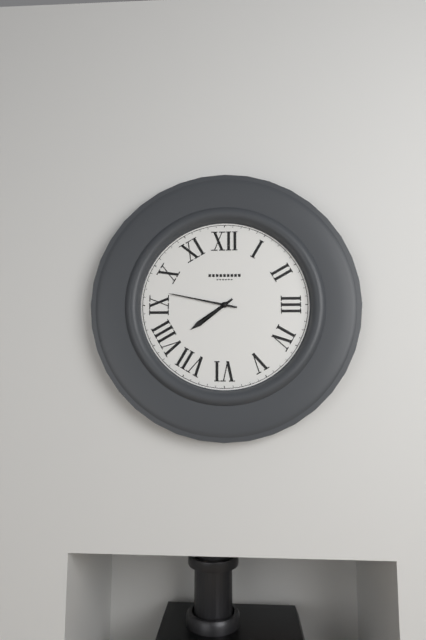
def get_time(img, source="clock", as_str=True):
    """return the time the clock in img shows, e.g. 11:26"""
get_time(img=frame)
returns 7:47
